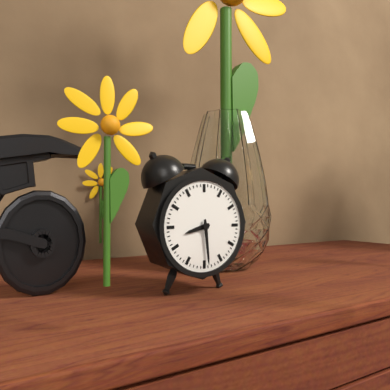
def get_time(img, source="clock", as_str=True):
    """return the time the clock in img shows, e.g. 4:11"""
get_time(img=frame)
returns 8:29
